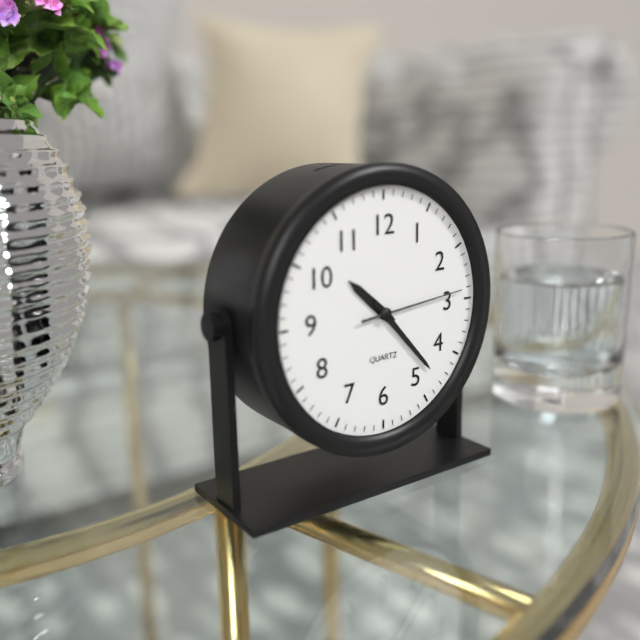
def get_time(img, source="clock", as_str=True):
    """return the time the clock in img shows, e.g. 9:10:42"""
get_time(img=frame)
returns 10:23:14
